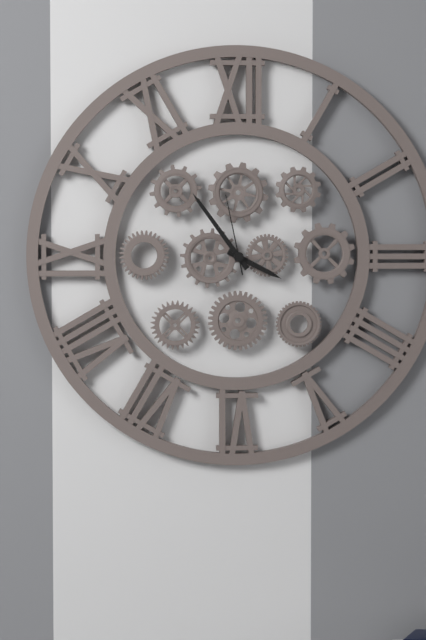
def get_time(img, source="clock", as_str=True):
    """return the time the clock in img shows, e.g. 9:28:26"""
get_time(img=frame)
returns 3:54:58
